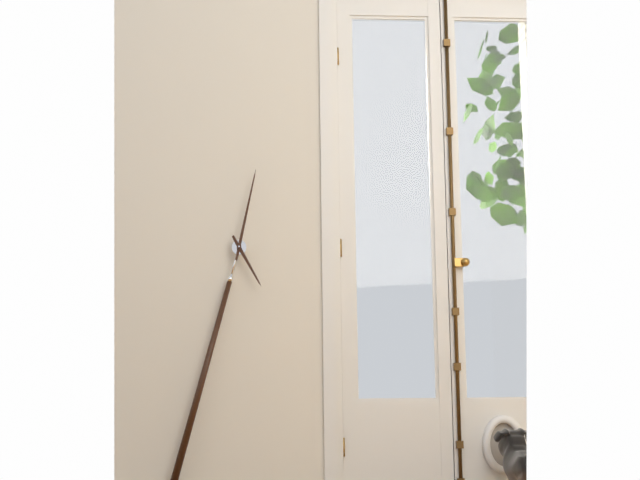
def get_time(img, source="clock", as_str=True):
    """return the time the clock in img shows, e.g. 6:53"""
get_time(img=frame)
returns 5:02
